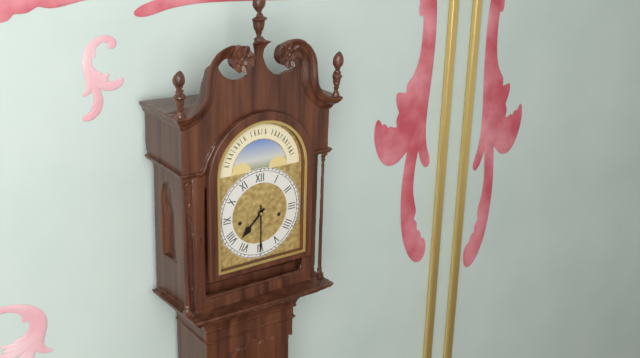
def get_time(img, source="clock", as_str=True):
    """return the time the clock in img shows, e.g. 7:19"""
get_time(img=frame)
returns 7:30
